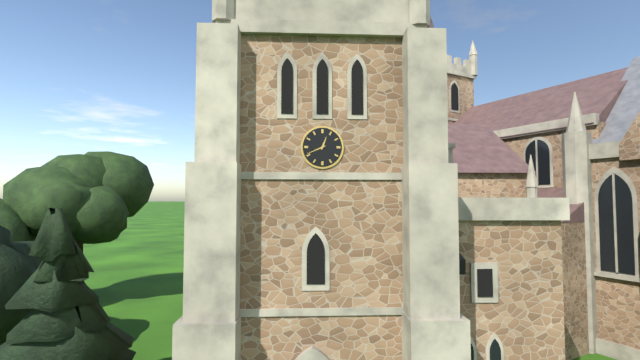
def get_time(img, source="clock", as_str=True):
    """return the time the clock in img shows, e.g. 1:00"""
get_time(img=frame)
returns 12:41
